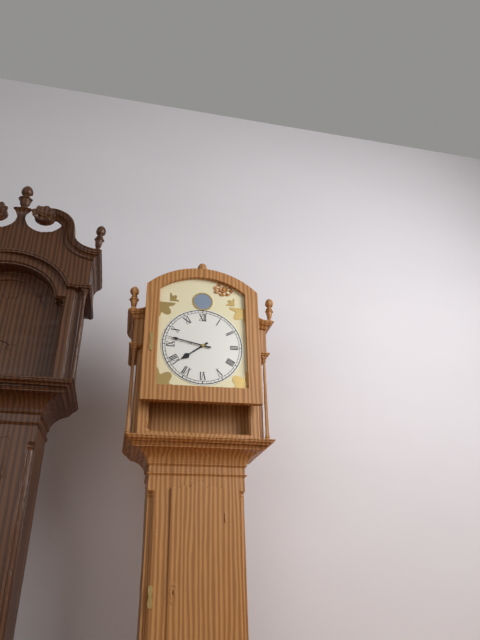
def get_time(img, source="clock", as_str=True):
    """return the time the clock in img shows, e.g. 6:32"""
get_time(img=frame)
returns 7:47
